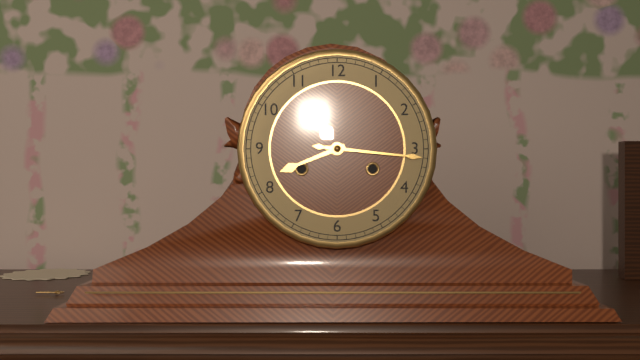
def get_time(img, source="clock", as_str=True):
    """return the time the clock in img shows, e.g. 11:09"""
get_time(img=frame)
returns 8:16
